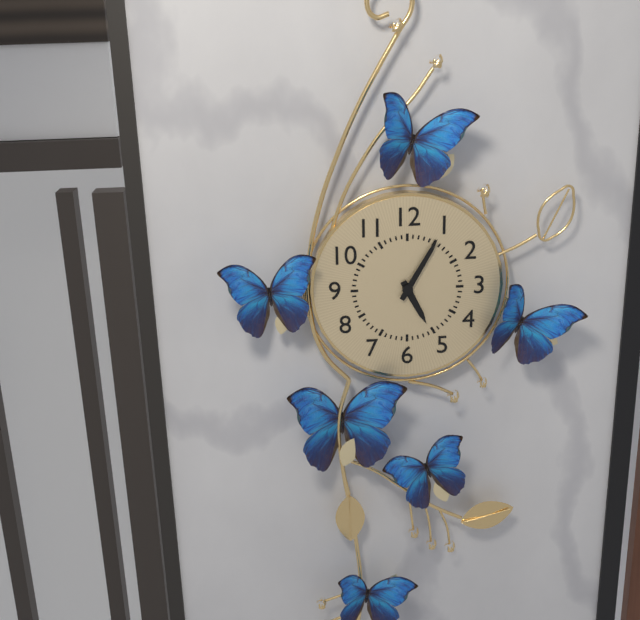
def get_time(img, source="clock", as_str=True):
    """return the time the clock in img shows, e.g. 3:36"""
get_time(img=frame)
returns 5:05
